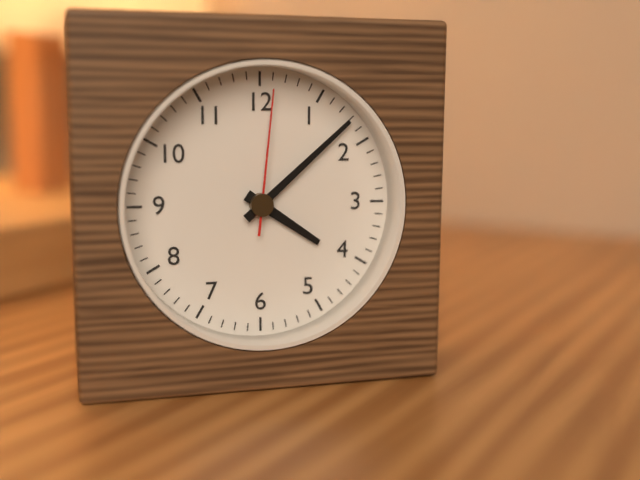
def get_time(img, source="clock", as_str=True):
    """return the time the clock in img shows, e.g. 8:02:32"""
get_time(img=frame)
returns 4:08:01
